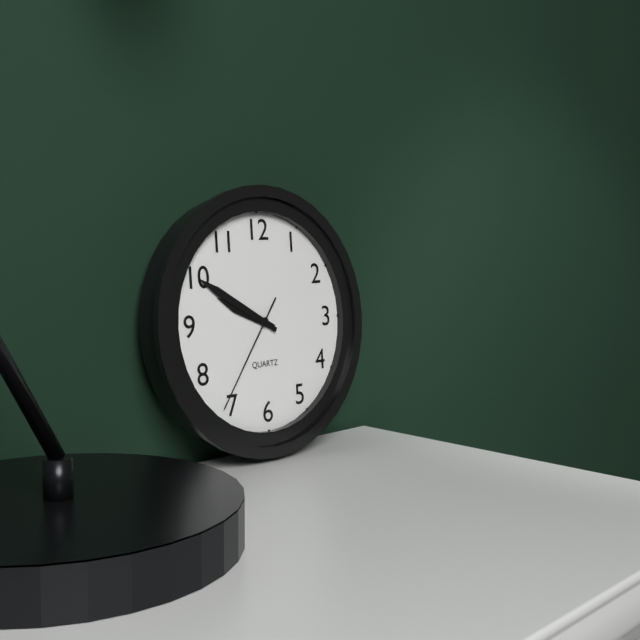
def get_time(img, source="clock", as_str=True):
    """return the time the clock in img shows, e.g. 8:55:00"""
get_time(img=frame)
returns 9:50:36
